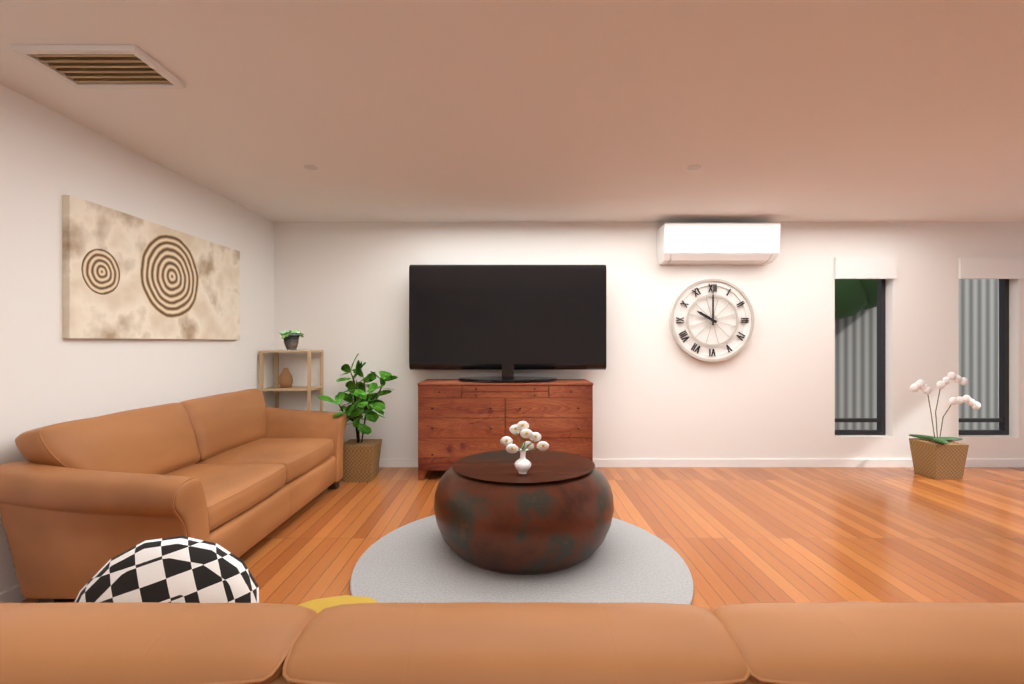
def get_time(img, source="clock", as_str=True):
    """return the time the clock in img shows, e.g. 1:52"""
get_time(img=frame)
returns 10:00
